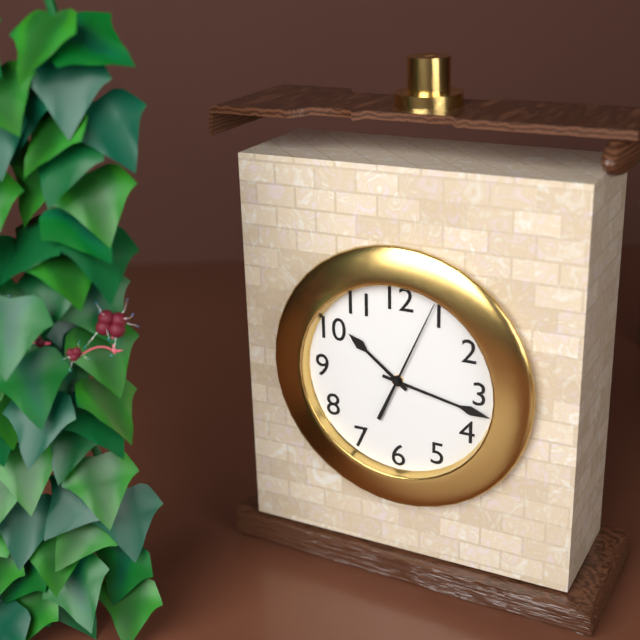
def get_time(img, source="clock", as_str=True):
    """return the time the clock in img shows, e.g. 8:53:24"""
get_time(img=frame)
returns 10:17:04
